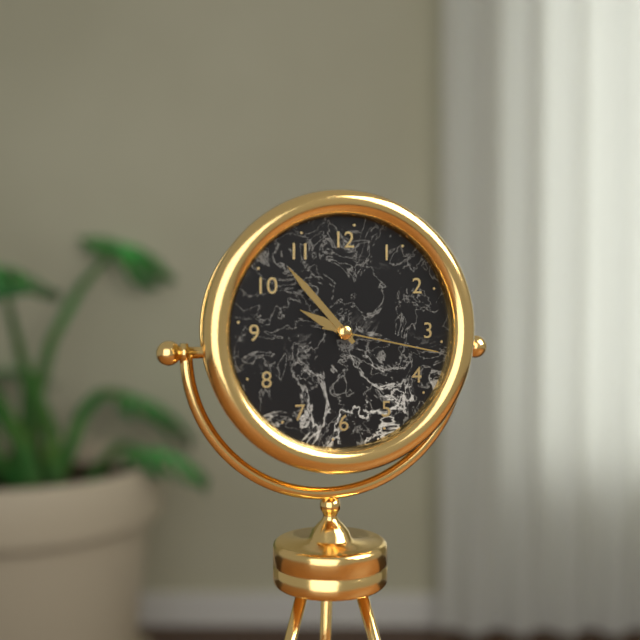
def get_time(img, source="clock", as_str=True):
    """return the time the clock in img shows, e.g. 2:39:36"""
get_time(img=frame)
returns 9:53:17
